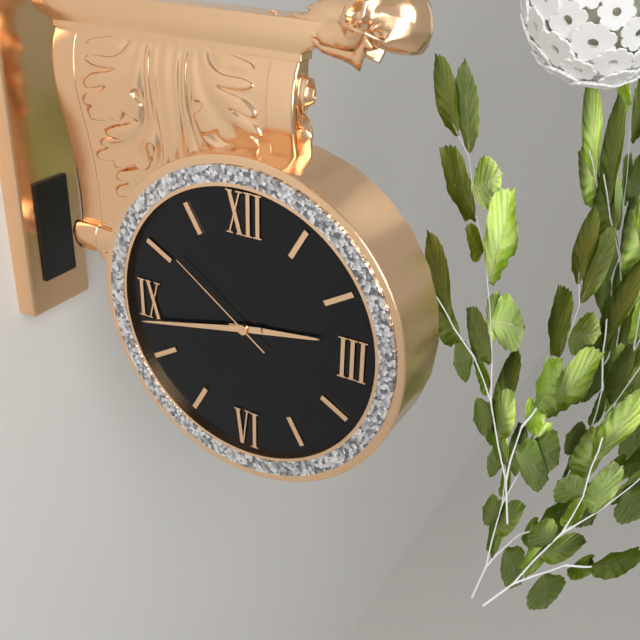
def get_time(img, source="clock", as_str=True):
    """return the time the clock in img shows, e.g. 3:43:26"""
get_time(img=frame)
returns 2:43:51
